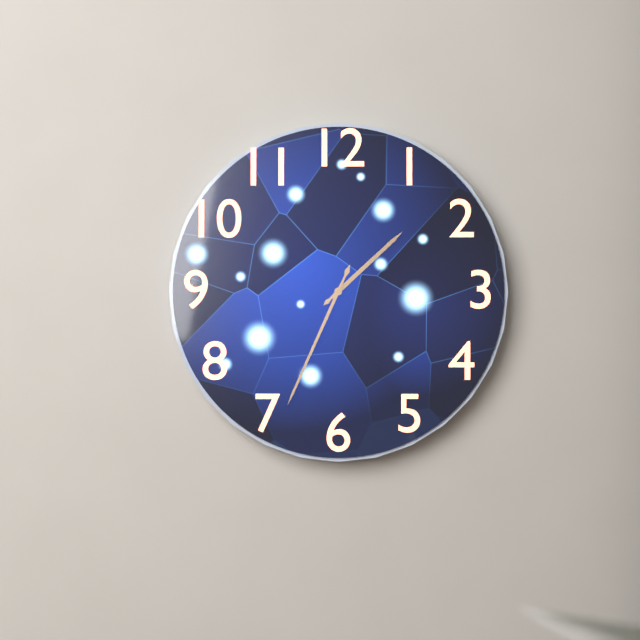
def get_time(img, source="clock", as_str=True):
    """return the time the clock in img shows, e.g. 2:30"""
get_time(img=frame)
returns 1:34
